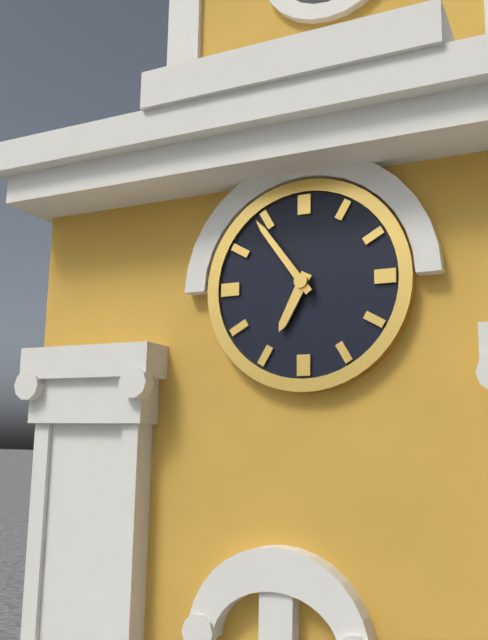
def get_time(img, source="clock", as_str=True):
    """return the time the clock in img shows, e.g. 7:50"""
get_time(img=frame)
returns 6:54
